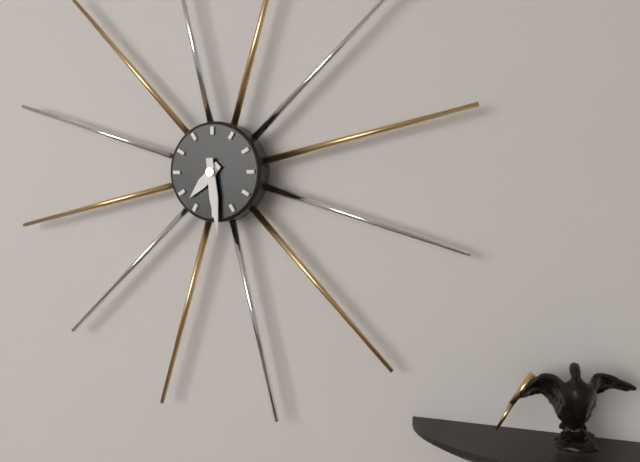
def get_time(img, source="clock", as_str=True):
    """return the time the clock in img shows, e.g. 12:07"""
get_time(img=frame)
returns 7:29
